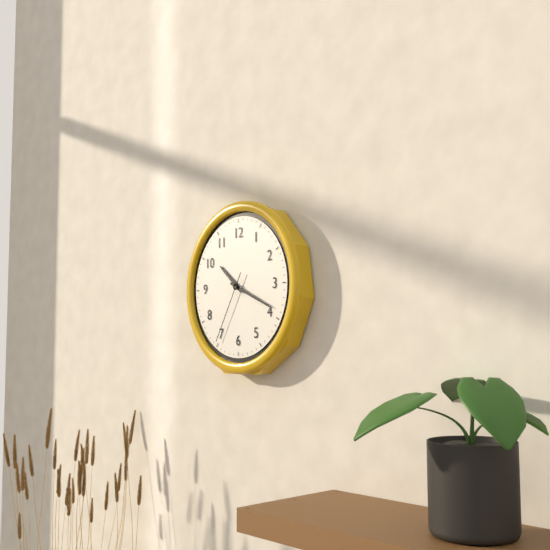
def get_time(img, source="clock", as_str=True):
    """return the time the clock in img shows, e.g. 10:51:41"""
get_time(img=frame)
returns 10:19:35
